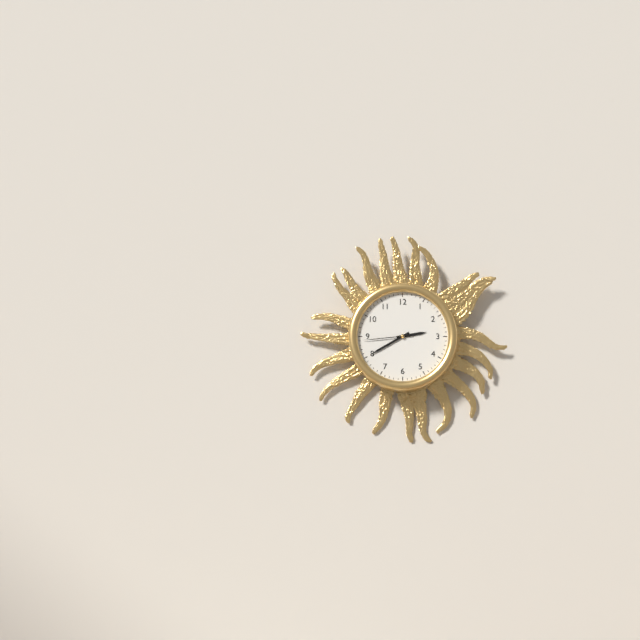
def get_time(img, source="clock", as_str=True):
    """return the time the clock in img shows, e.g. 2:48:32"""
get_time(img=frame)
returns 2:40:44
